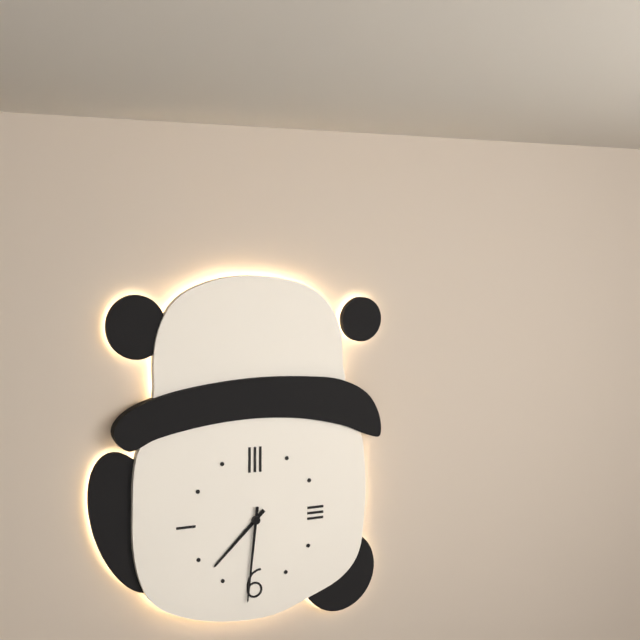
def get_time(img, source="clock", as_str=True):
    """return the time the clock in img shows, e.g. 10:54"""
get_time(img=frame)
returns 7:31
